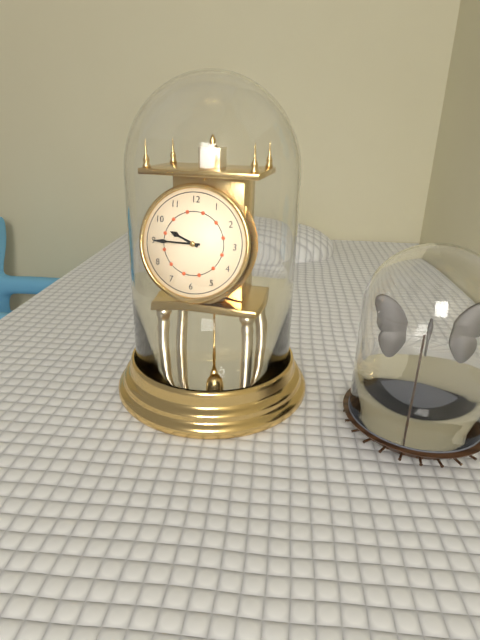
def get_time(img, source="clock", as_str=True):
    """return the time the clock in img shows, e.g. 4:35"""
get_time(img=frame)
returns 9:45
